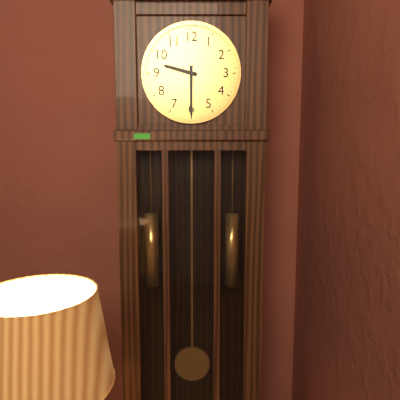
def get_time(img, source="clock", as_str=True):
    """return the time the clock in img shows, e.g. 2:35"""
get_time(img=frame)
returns 9:30
